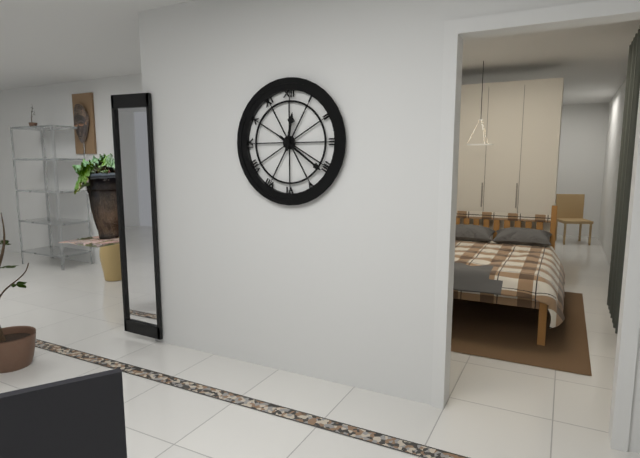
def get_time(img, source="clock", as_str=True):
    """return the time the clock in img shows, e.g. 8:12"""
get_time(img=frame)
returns 12:21
